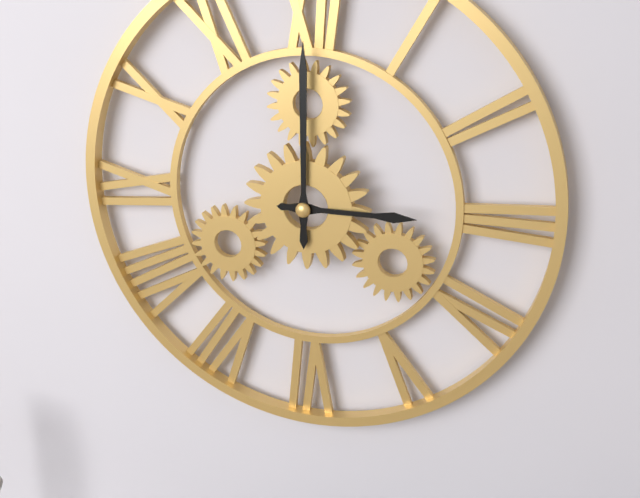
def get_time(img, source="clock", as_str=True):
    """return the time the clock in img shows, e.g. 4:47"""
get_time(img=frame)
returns 3:00
